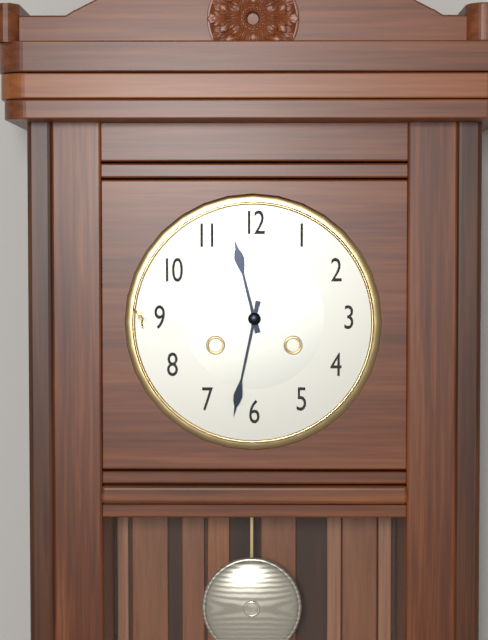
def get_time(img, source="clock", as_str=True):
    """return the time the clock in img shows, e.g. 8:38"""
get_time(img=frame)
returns 11:32
